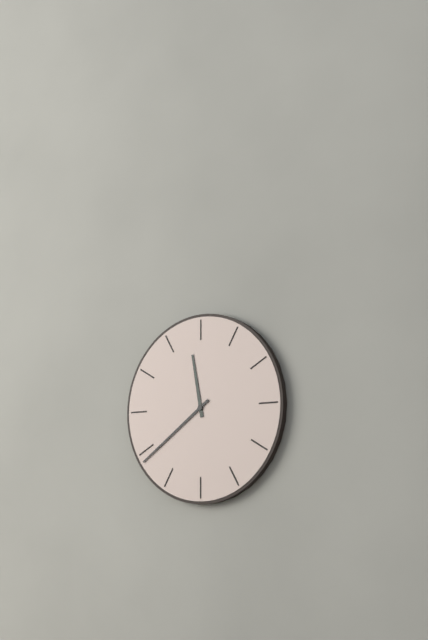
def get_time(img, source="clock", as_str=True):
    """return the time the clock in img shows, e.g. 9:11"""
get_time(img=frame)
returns 11:39
